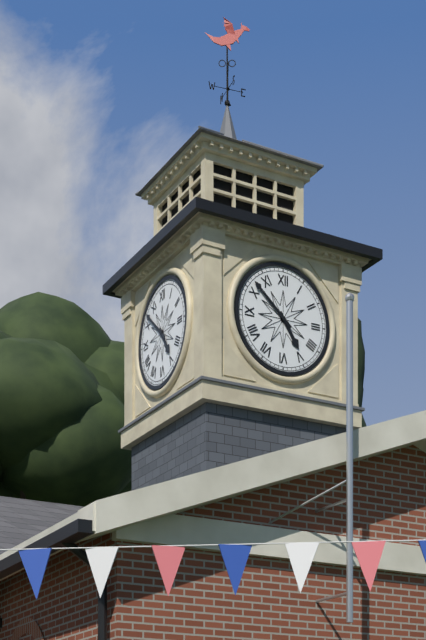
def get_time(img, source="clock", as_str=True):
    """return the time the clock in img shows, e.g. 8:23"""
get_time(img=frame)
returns 4:52
